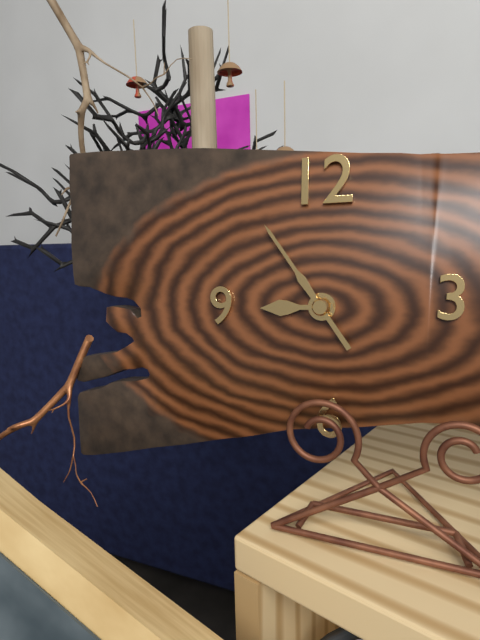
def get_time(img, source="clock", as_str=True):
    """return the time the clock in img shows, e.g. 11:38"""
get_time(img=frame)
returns 8:54
